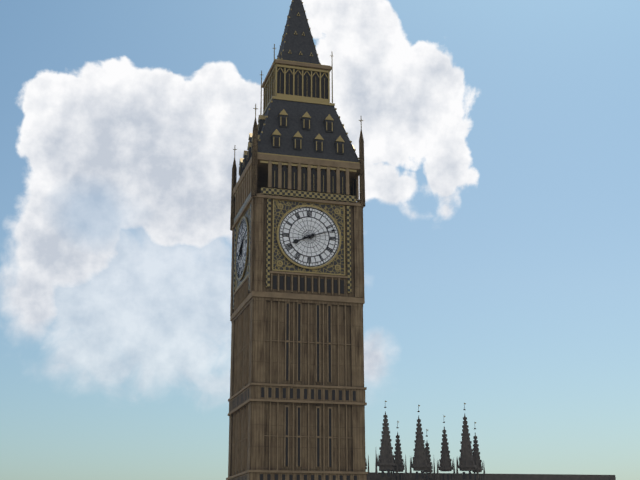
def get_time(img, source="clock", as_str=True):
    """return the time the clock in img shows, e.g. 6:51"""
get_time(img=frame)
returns 8:12
